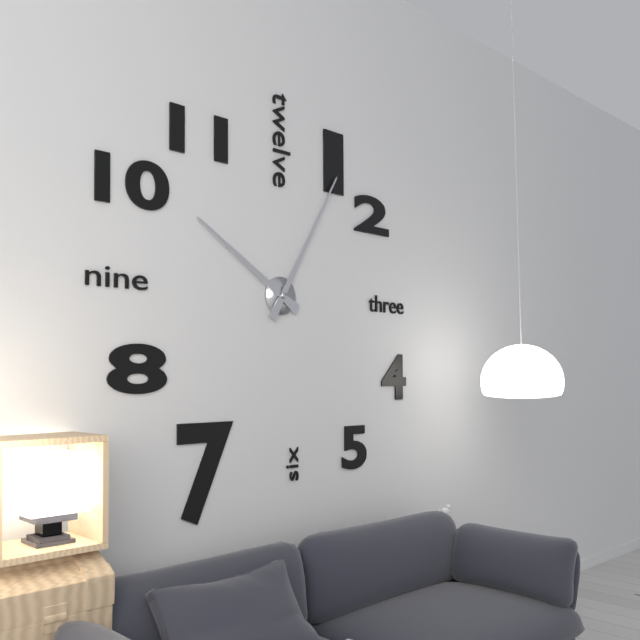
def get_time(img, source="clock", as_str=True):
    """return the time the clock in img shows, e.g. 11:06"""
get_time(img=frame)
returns 10:05
